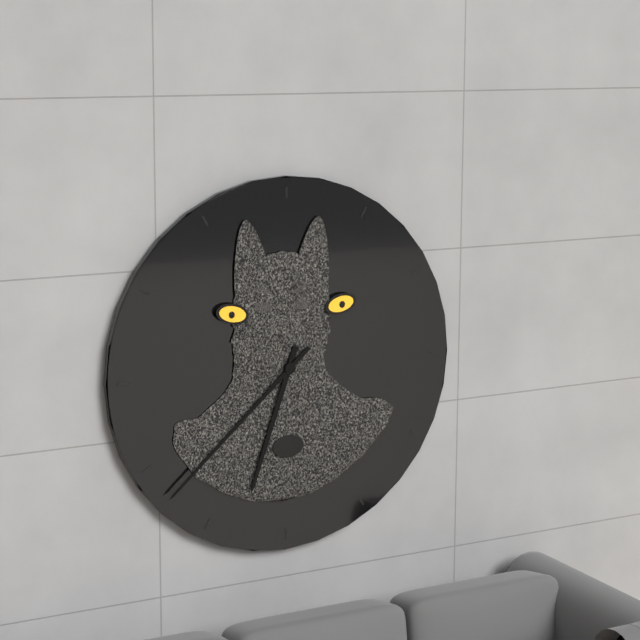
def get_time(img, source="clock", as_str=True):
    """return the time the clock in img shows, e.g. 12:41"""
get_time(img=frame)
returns 6:38
